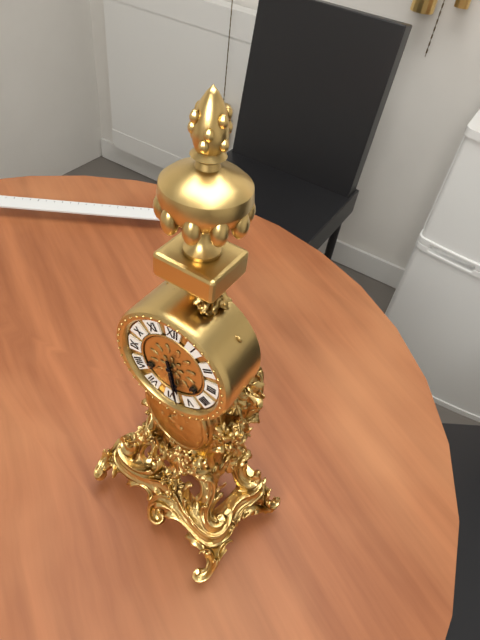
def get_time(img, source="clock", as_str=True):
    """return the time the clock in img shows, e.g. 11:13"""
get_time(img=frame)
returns 5:28
